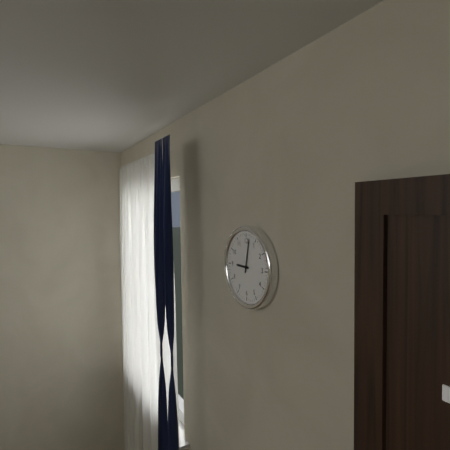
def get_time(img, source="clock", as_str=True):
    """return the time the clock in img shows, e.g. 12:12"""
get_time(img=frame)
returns 9:02
